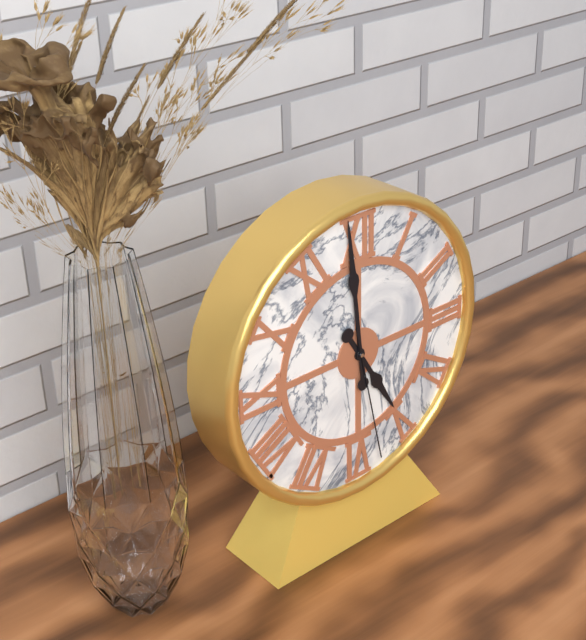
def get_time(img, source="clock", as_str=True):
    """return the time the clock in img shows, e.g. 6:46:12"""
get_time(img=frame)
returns 4:59:28
